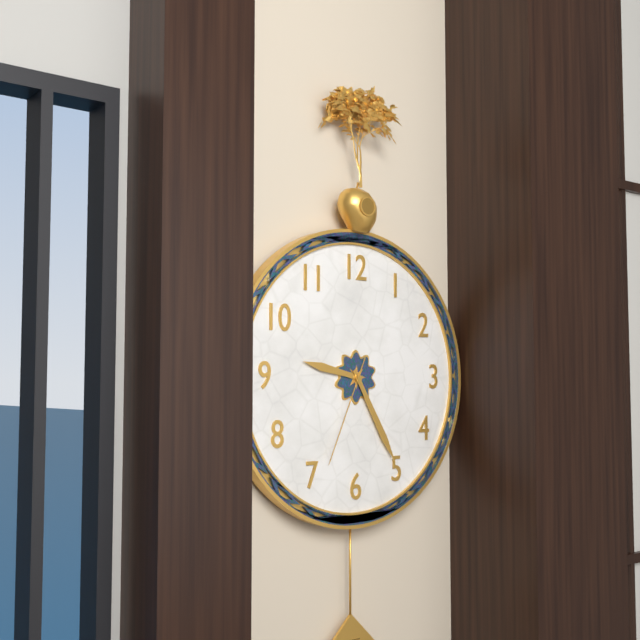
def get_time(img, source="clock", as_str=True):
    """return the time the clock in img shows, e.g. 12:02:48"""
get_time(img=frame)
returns 9:25:34
